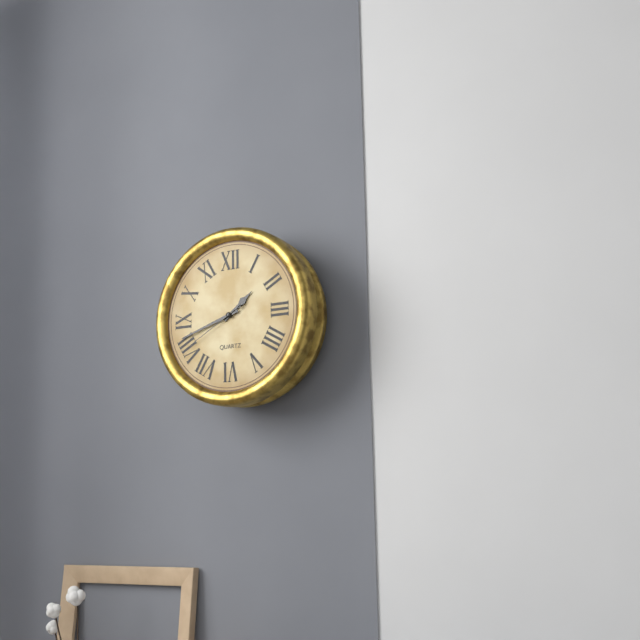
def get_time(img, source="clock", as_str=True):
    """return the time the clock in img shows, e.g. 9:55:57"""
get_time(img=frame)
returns 1:42:40
